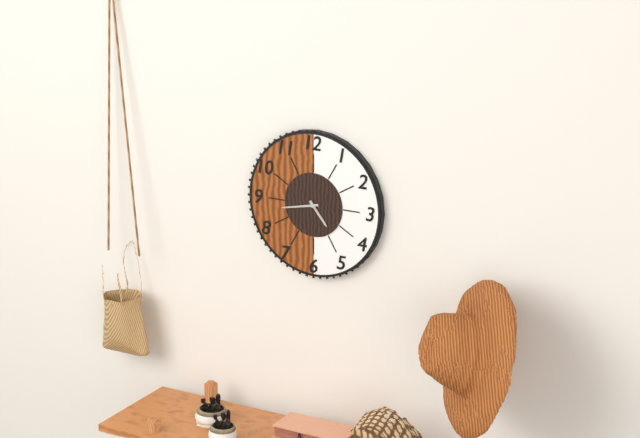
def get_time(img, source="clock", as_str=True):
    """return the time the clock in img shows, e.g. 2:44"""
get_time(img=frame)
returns 4:43
